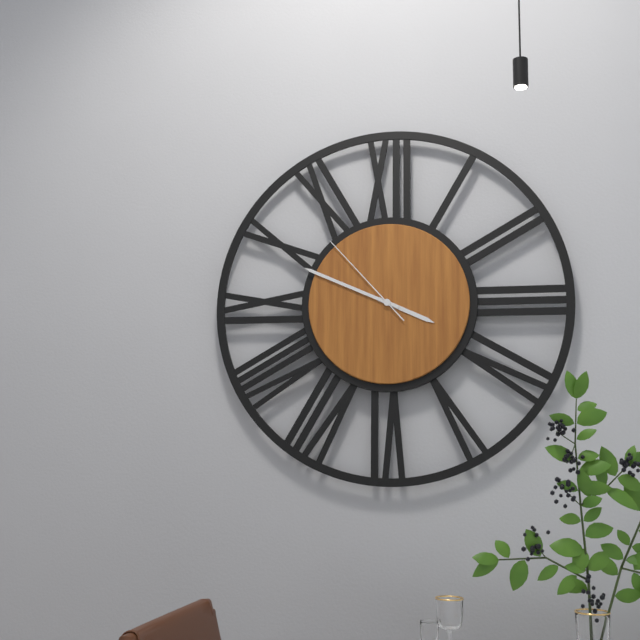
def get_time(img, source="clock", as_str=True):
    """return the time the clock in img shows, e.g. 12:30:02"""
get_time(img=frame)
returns 3:49:53
